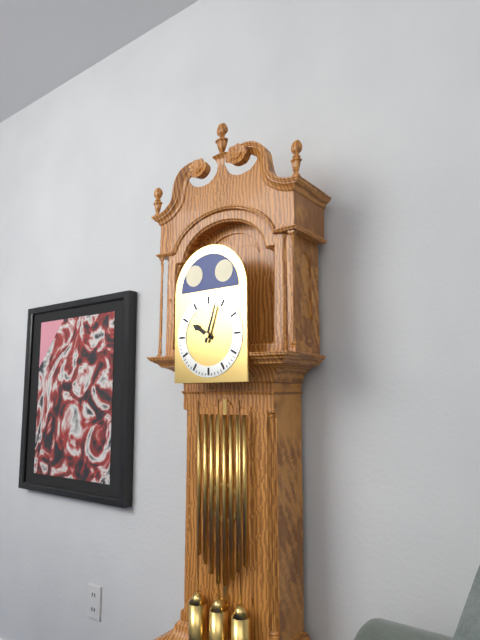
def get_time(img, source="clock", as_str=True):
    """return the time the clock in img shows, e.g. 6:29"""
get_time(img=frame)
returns 10:03
